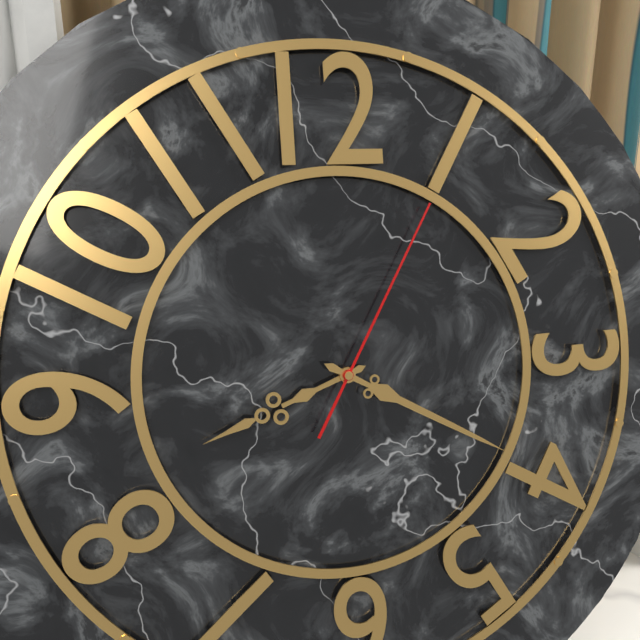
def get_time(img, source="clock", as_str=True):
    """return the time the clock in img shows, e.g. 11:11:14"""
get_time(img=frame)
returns 8:20:05
